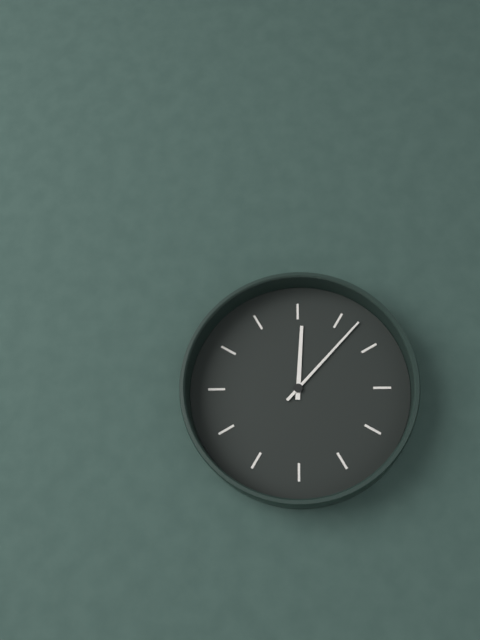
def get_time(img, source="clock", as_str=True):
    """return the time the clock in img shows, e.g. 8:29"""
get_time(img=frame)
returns 12:07
